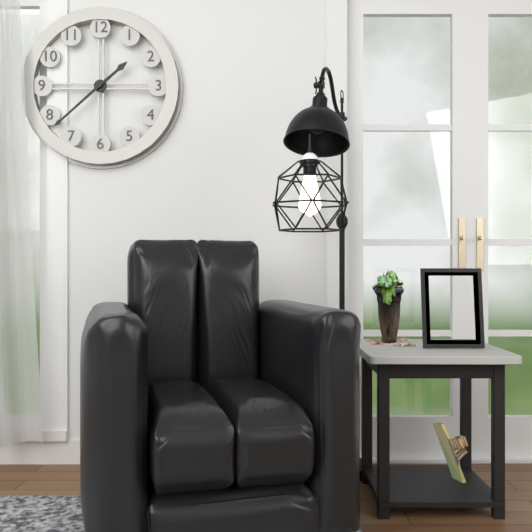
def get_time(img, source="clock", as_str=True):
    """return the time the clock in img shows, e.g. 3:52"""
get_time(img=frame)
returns 1:38
